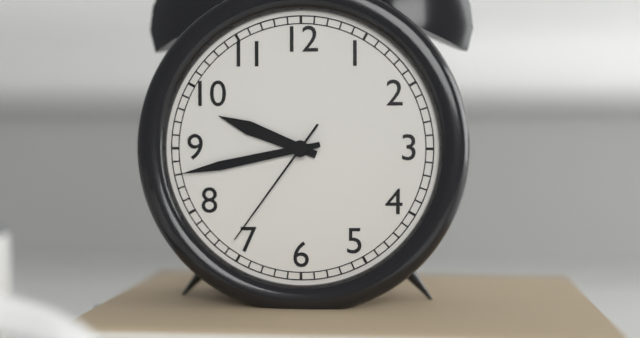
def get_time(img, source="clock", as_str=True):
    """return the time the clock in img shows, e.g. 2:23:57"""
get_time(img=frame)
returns 9:43:36
